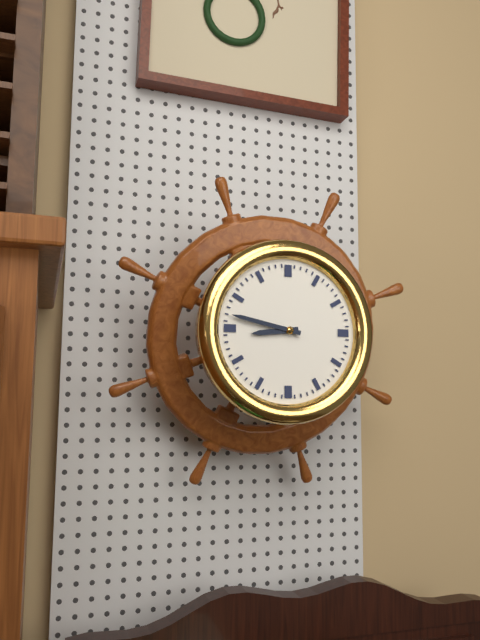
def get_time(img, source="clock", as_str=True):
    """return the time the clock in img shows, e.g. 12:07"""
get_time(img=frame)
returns 8:47
